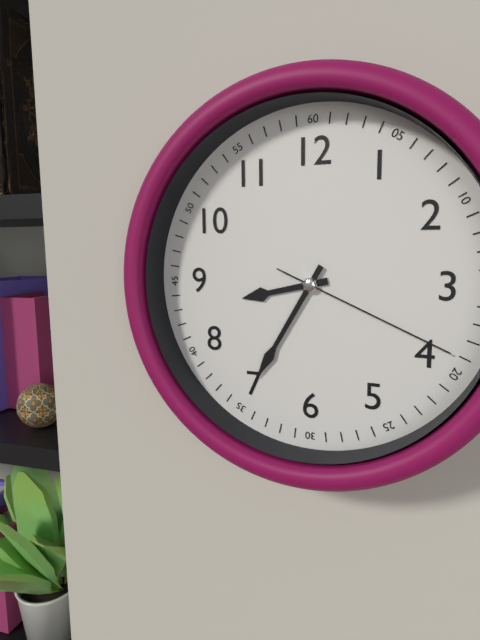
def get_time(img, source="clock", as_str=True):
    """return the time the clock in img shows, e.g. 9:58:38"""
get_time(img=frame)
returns 8:35:19
